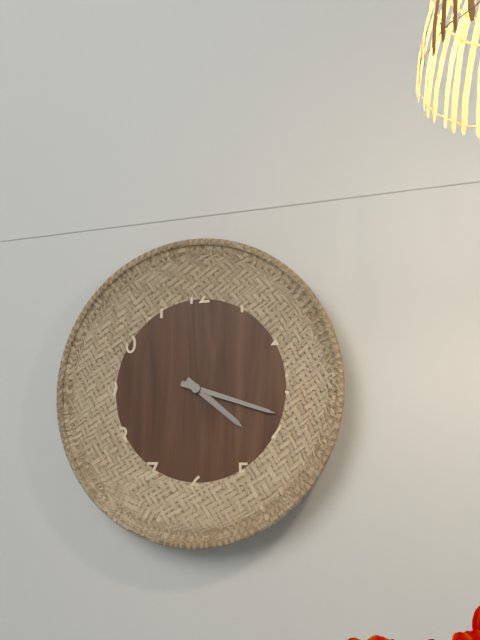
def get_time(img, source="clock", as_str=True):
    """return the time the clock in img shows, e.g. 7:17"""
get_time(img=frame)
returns 4:18
